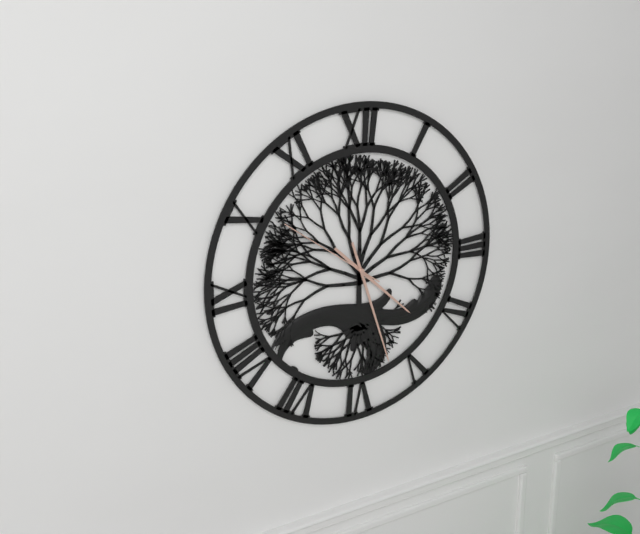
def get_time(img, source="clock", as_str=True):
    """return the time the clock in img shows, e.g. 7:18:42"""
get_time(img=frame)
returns 4:27:51
